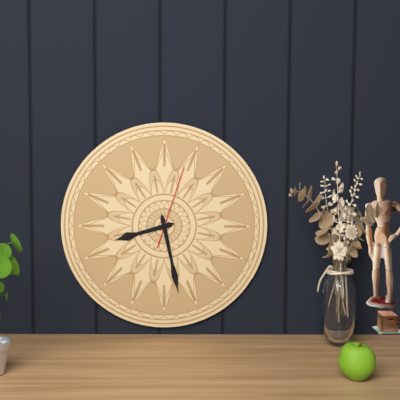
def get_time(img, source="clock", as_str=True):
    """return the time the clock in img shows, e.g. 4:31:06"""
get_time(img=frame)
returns 8:28:03
